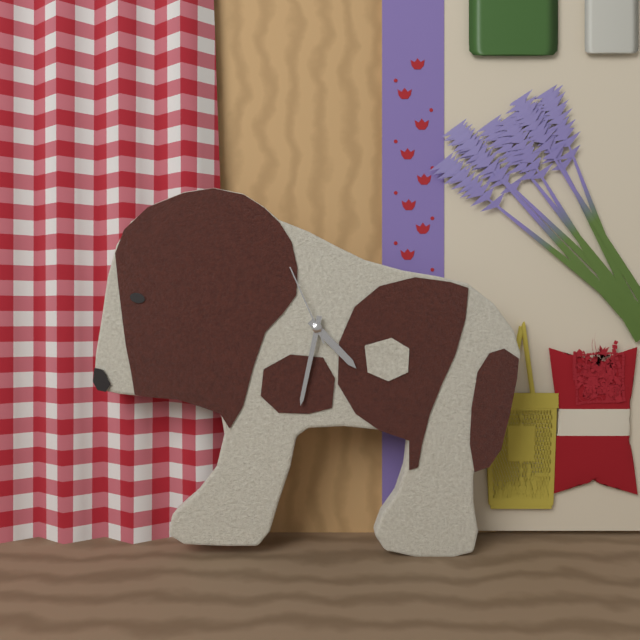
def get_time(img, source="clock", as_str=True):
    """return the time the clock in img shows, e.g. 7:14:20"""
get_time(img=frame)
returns 4:32:56
